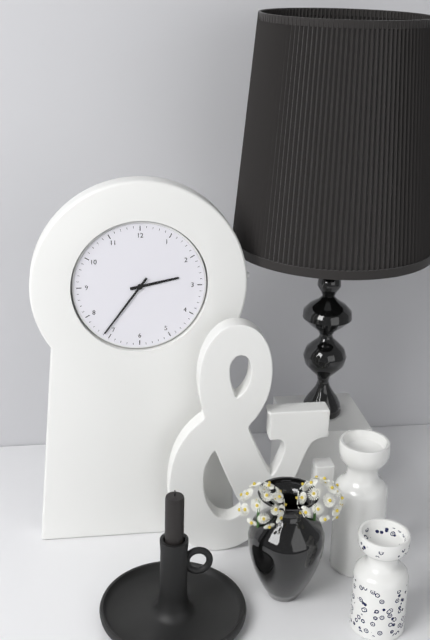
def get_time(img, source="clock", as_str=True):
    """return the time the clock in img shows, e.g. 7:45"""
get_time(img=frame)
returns 2:36
